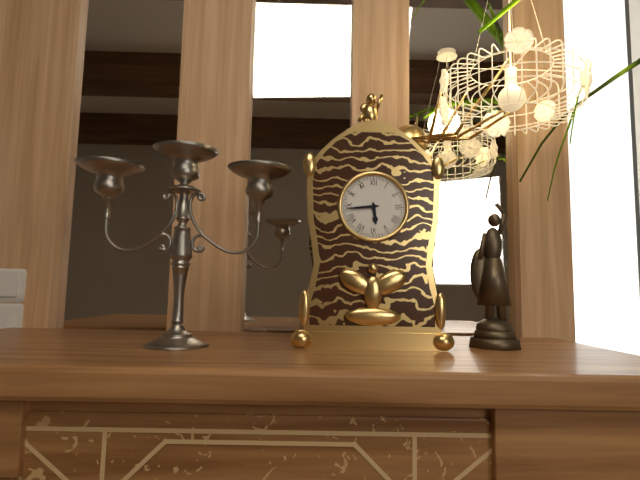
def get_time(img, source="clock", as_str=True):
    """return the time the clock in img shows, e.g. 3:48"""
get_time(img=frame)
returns 5:44
